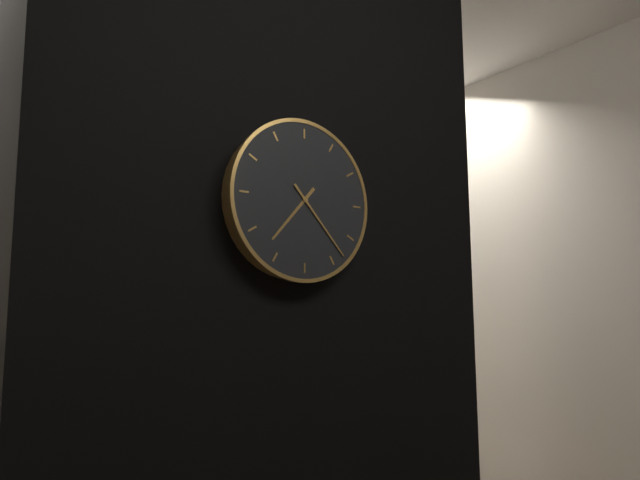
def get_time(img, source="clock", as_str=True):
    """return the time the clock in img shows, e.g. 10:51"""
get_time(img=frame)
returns 7:23
